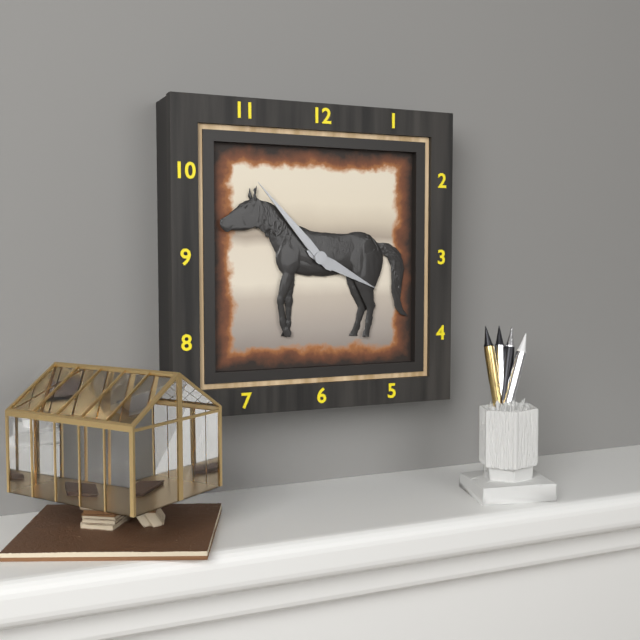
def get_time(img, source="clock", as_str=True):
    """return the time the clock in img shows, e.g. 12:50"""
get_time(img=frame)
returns 3:53
